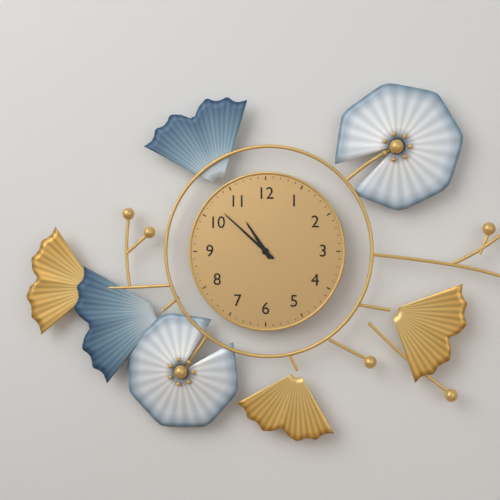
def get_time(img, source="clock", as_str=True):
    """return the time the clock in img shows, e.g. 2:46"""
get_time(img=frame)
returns 10:52
